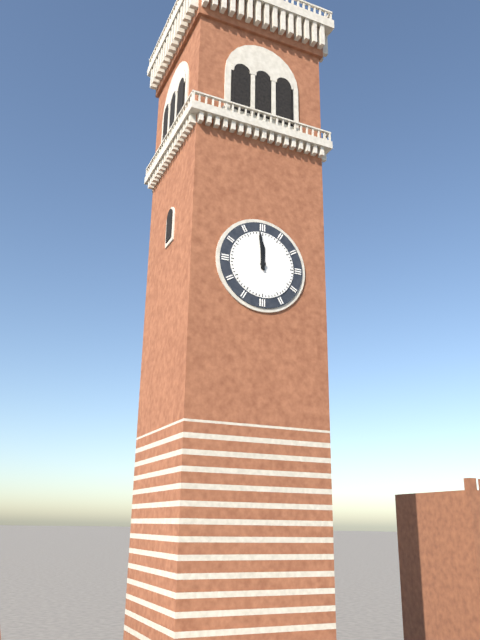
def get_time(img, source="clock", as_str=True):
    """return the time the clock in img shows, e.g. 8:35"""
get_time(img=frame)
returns 11:59
